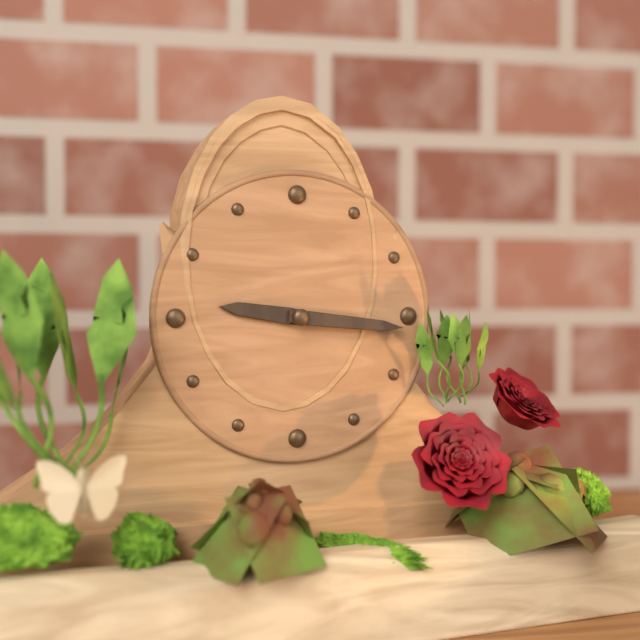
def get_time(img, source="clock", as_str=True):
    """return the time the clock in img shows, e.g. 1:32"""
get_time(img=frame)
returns 9:16
